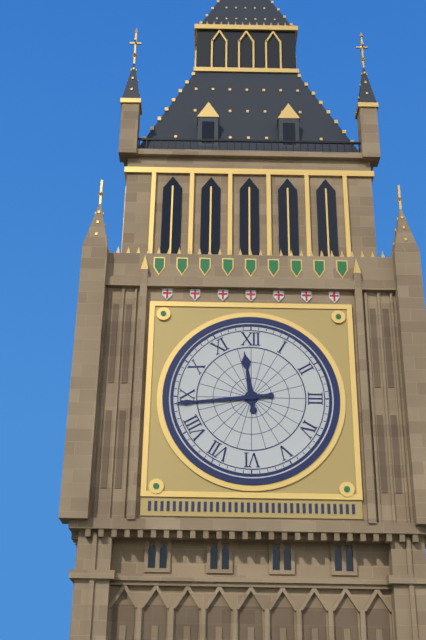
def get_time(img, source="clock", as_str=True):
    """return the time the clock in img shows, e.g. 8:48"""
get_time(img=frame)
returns 11:44
